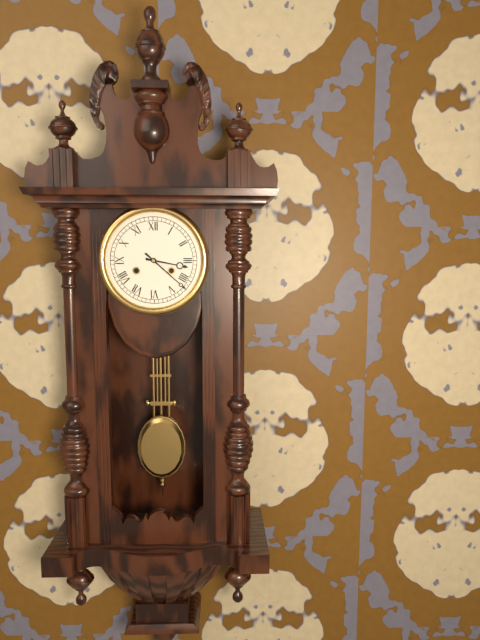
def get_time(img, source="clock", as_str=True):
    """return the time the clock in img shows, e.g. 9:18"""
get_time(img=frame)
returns 3:22
